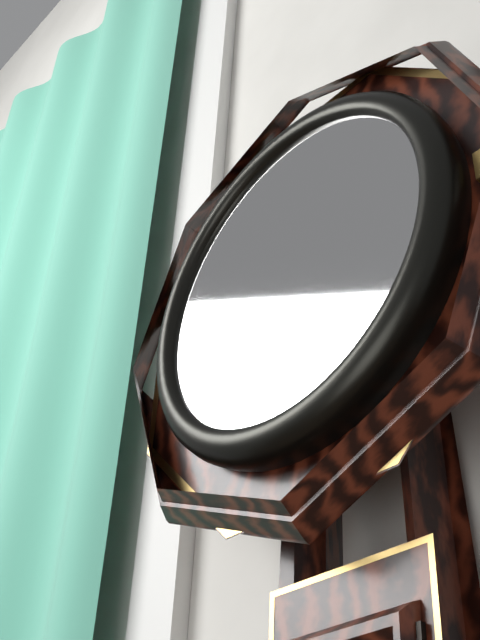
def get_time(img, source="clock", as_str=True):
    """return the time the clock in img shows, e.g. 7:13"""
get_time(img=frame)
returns 11:12
